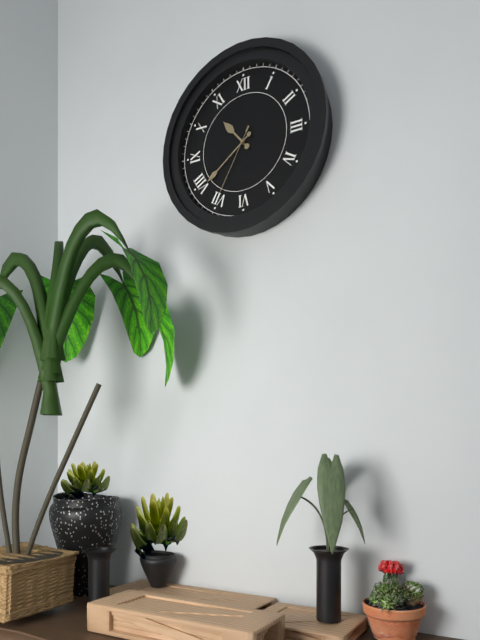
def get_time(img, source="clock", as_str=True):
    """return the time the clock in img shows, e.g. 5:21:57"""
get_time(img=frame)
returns 10:39:35
